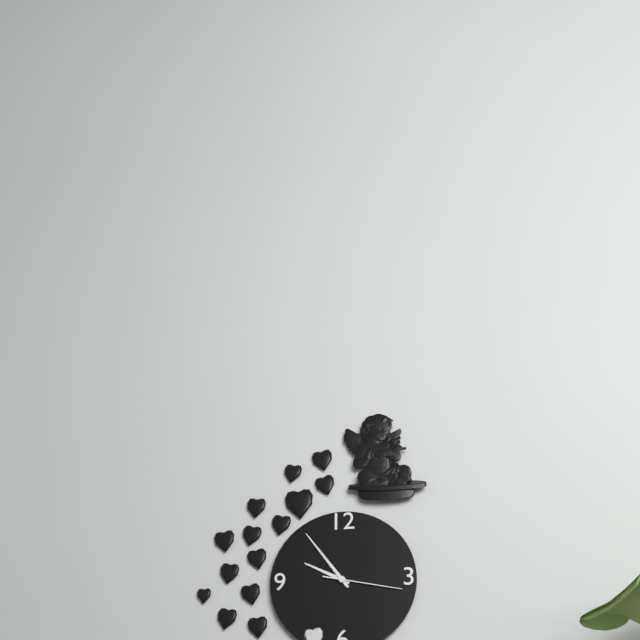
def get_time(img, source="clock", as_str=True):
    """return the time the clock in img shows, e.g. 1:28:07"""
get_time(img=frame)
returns 9:54:17
